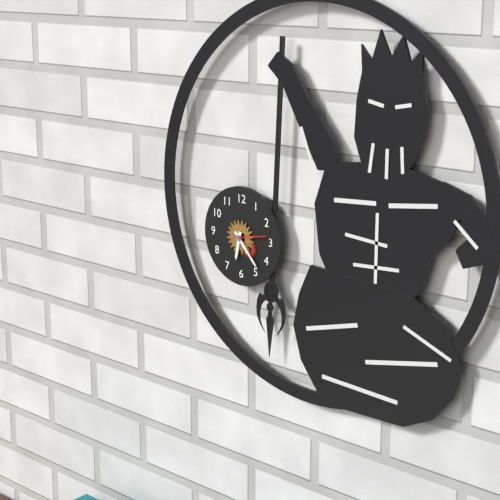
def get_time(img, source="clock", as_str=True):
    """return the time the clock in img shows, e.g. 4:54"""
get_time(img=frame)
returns 6:23
